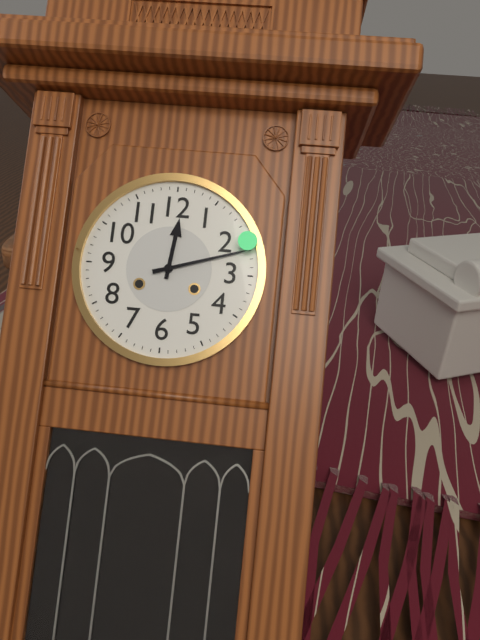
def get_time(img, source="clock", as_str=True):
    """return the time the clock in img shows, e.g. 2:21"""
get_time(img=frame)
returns 12:12
